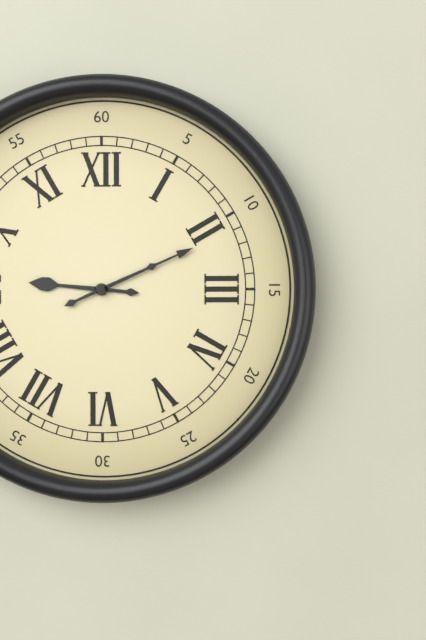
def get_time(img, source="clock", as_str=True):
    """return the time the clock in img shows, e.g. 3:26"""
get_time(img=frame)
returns 9:11
